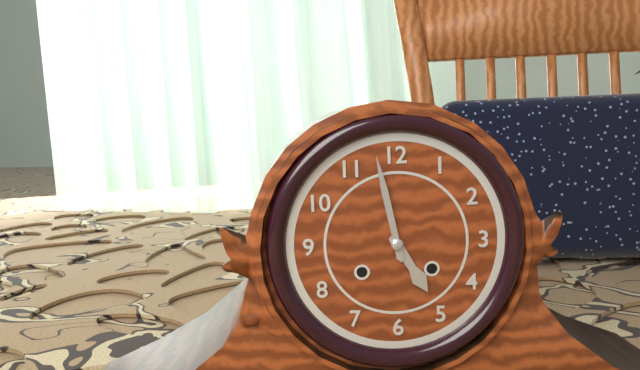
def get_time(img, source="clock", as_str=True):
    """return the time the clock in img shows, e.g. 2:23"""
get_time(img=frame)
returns 4:58
